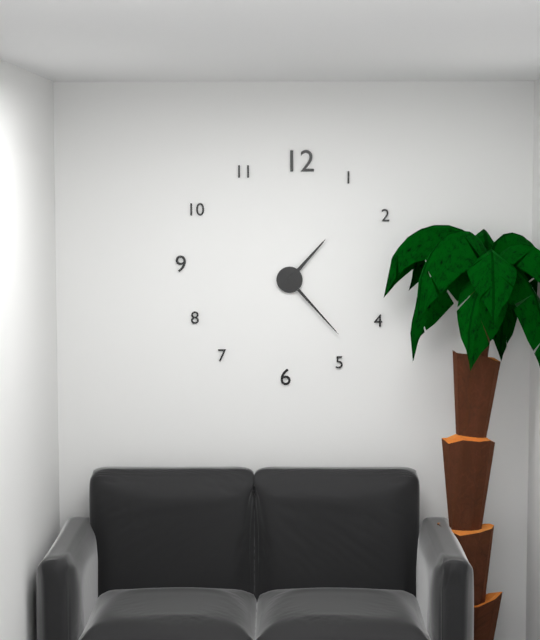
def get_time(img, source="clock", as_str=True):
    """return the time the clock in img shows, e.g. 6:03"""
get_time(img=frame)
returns 1:23
